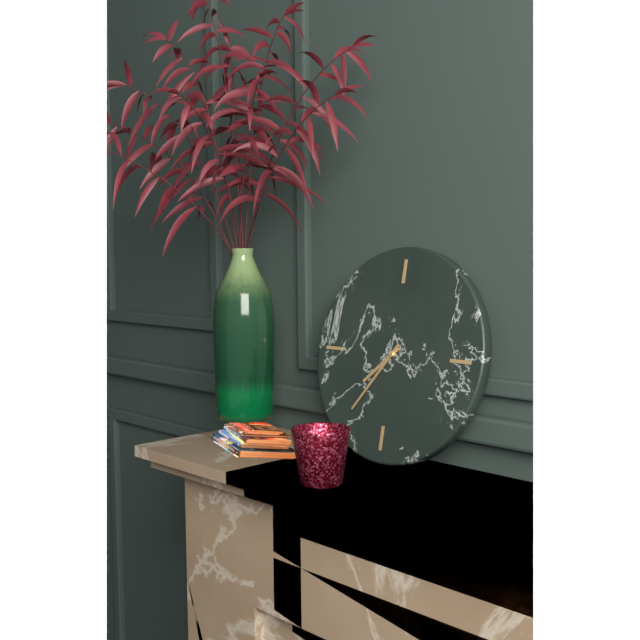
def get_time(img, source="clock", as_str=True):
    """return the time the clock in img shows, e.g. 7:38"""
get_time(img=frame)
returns 7:36
